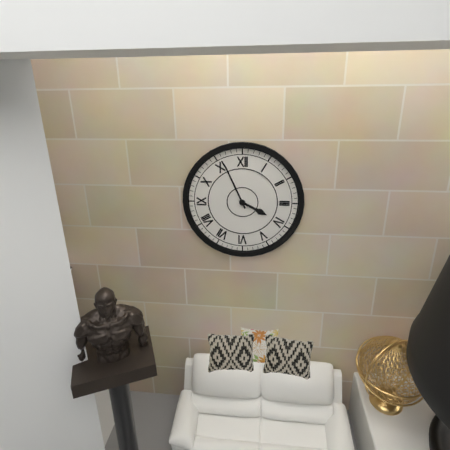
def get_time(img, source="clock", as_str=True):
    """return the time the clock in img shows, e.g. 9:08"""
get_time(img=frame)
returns 3:56
